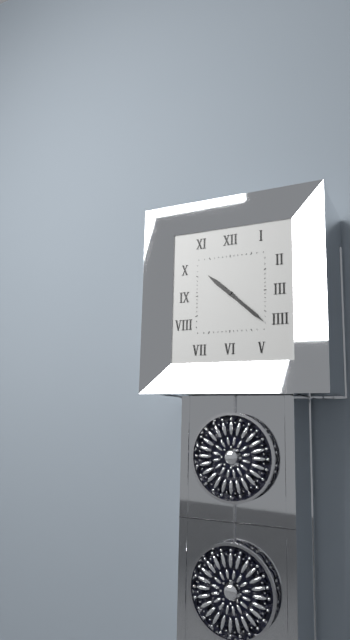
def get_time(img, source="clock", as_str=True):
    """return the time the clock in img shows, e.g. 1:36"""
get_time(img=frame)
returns 10:22
